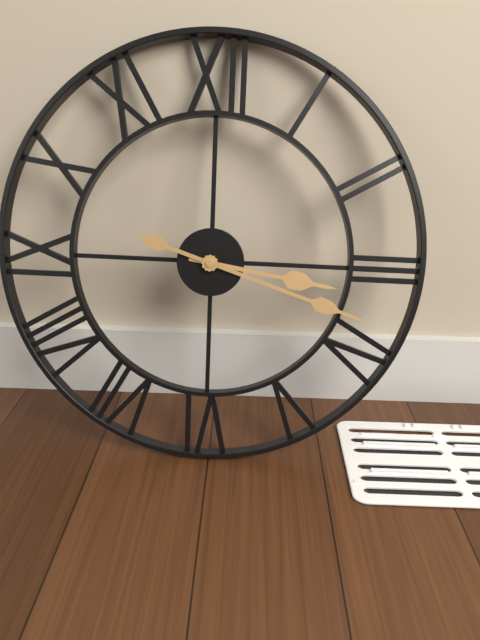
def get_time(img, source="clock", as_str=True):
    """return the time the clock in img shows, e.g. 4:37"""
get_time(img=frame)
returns 3:18
